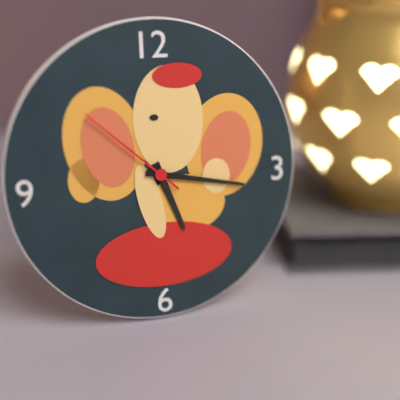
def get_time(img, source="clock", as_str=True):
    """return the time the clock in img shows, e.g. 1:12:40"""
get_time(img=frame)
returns 5:17:52
